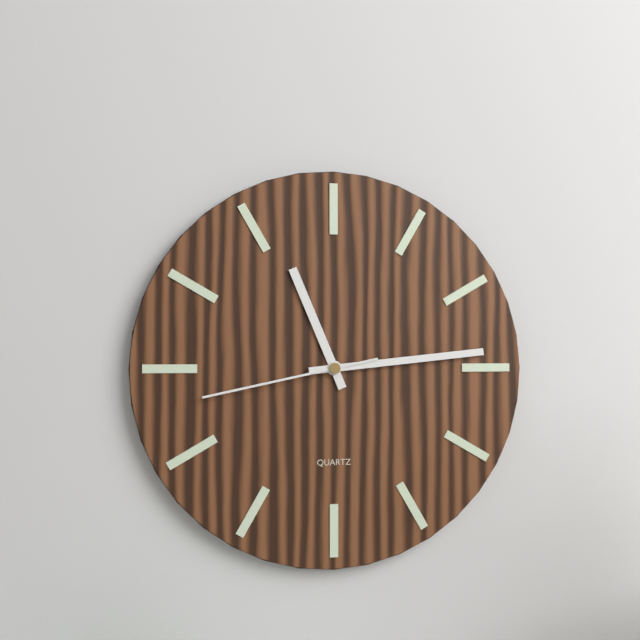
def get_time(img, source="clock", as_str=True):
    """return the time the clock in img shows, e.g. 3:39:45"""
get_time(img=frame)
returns 11:14:43
